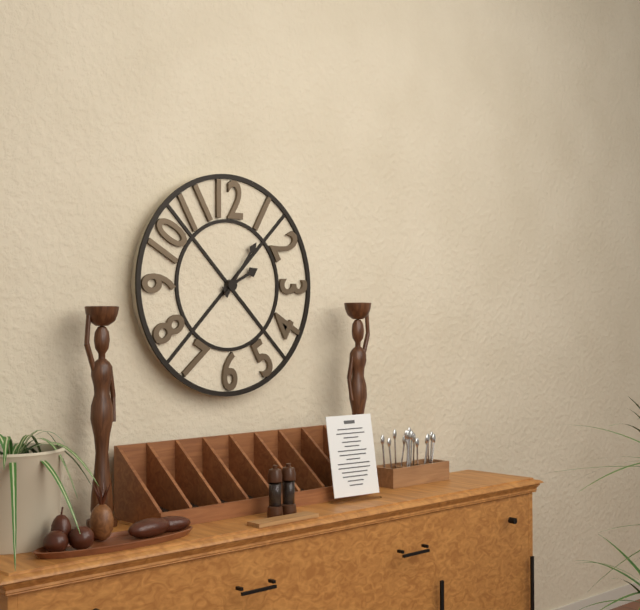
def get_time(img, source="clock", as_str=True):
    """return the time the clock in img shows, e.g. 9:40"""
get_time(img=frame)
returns 2:06
